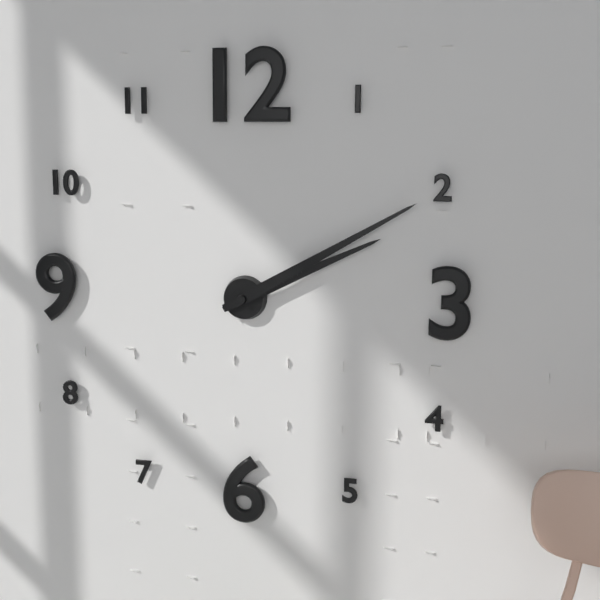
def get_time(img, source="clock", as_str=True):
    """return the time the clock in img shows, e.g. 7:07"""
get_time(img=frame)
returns 2:10
